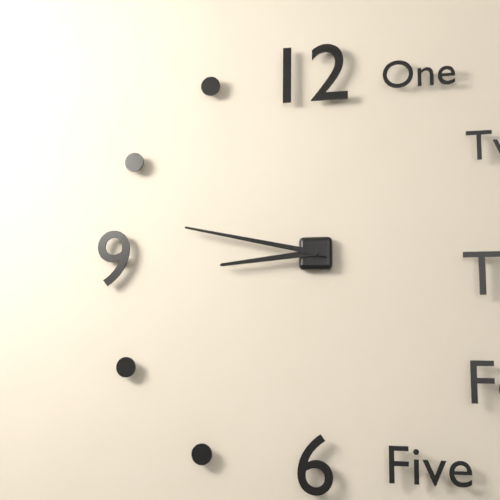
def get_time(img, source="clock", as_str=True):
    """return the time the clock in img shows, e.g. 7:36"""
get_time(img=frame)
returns 8:47
